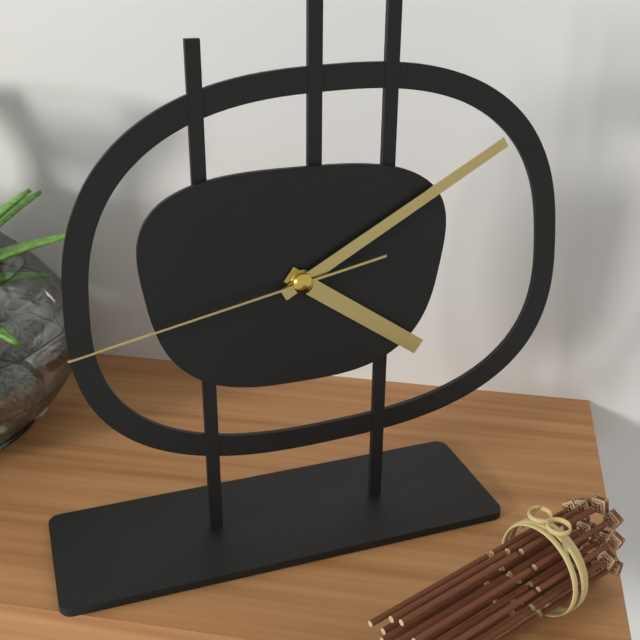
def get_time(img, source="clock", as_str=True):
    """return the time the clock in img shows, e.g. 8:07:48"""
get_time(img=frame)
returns 4:10:43
